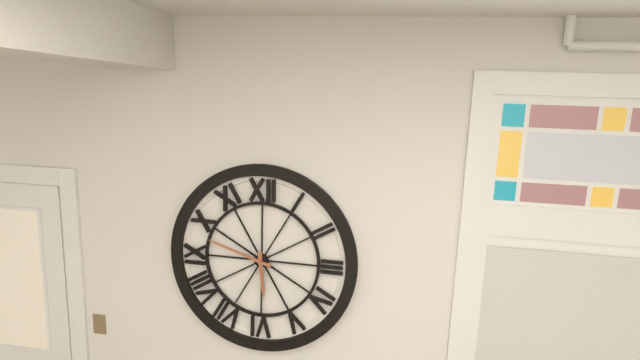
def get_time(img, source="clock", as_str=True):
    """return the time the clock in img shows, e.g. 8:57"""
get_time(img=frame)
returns 5:48
